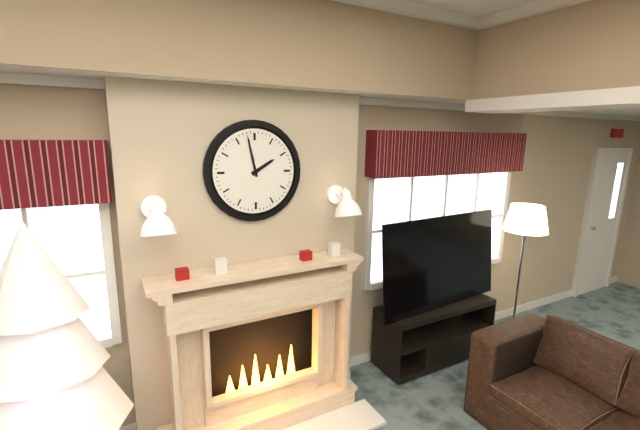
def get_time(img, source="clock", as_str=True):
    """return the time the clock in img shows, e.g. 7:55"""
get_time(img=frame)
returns 1:58
